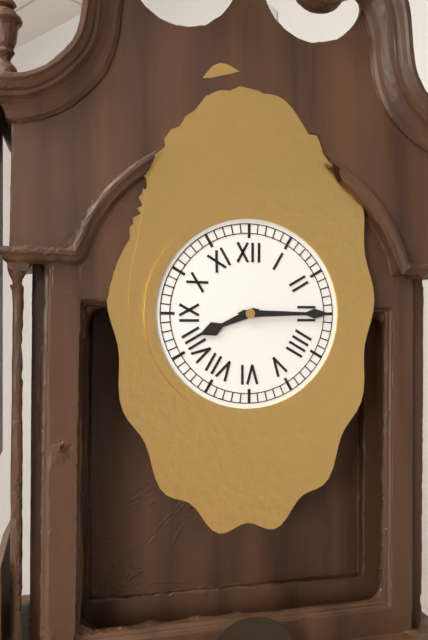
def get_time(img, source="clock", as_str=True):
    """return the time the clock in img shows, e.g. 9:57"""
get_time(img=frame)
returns 8:15
